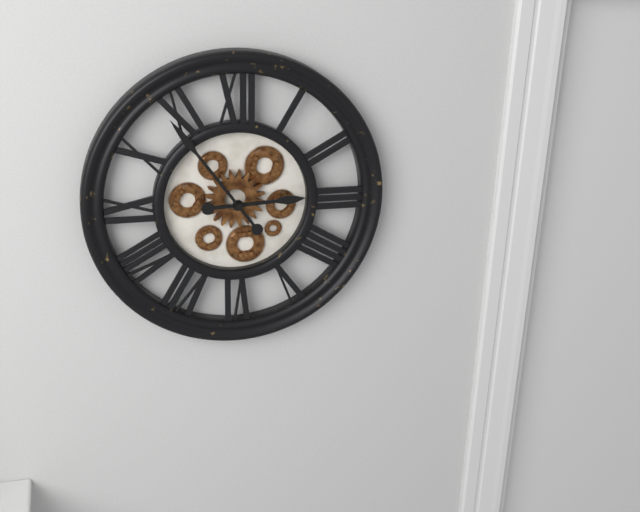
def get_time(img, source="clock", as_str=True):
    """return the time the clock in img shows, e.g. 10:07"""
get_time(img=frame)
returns 2:54
